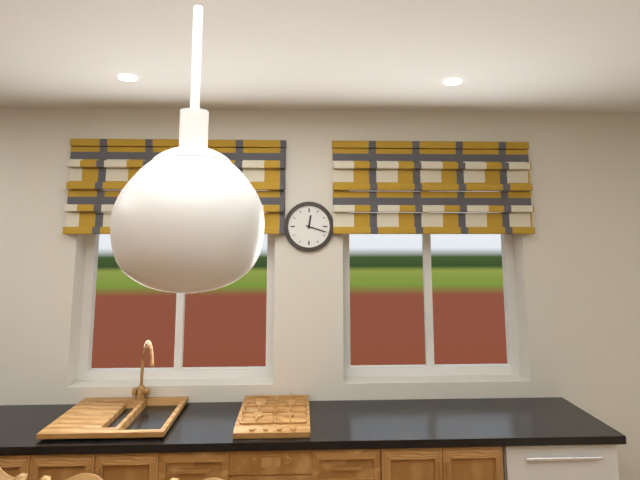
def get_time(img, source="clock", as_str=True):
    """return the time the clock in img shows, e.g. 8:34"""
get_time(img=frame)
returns 12:18
